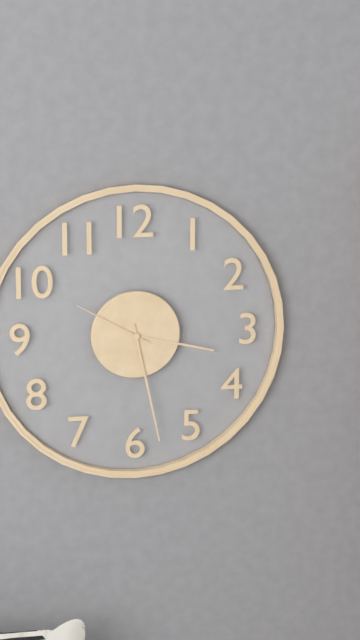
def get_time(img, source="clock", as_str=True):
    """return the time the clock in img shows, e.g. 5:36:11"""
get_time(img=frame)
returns 3:28:50
